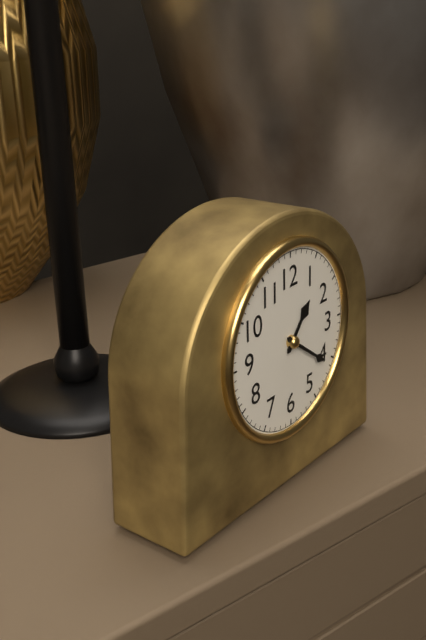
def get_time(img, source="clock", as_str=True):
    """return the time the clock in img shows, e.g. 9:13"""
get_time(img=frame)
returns 1:21
